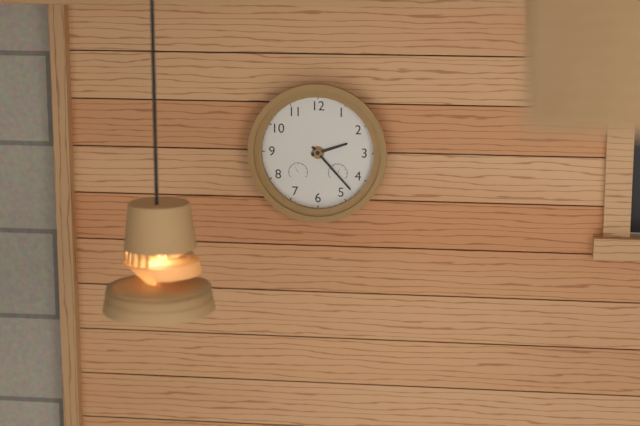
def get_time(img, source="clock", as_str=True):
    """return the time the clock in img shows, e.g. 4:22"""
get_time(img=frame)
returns 2:23
